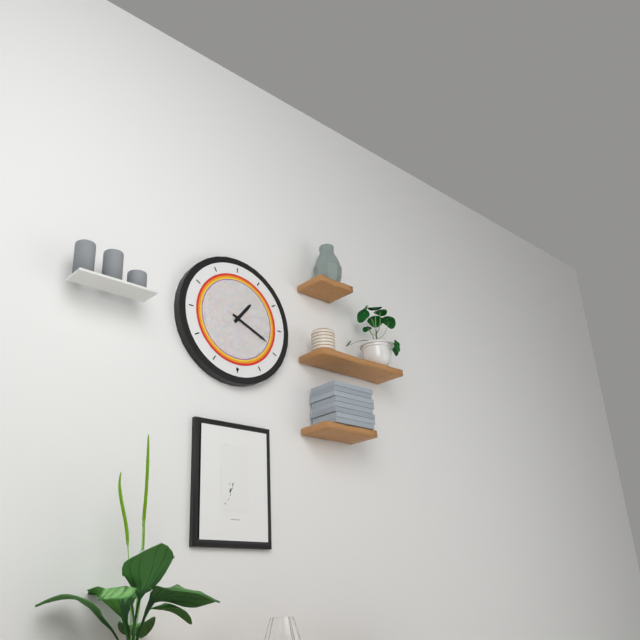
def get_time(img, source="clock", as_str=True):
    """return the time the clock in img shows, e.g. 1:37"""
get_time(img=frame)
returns 1:19
